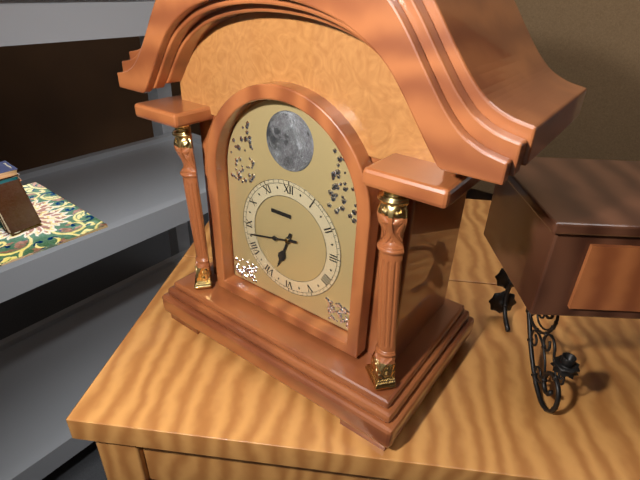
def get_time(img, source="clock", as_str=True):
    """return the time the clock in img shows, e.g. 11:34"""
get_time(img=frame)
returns 6:43
